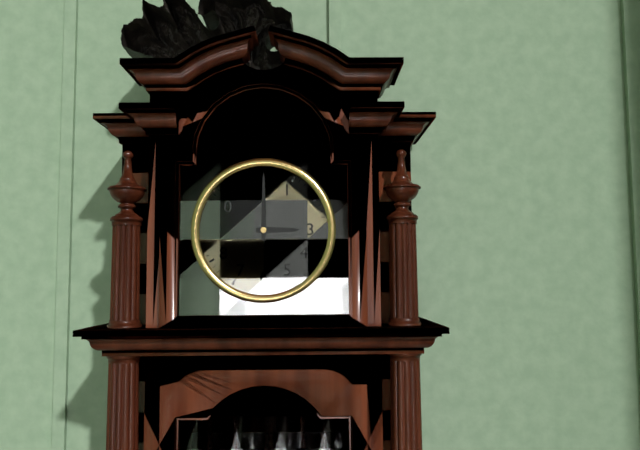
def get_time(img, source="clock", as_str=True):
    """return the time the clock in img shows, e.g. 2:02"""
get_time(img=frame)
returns 3:00
